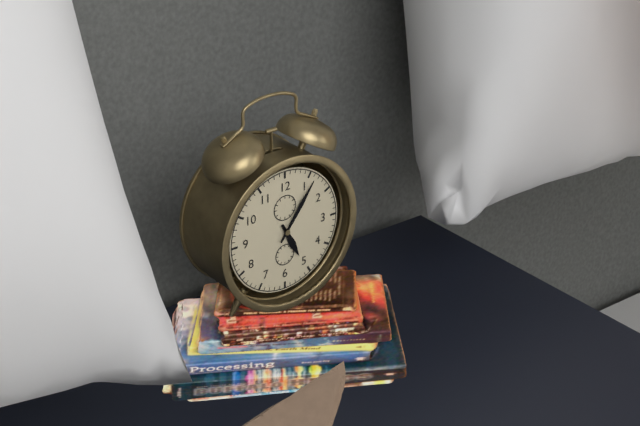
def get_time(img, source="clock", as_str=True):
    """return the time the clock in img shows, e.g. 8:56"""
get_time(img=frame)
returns 5:06
